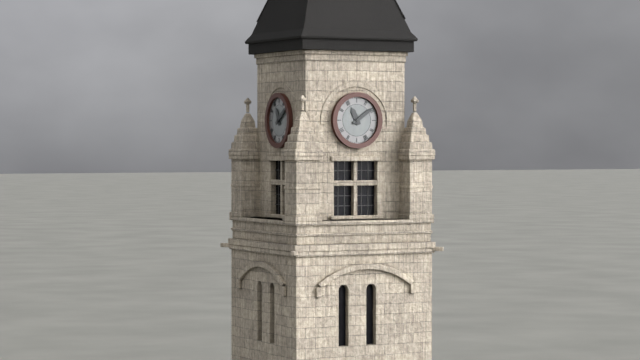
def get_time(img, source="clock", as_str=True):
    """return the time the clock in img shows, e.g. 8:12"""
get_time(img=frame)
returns 11:09
